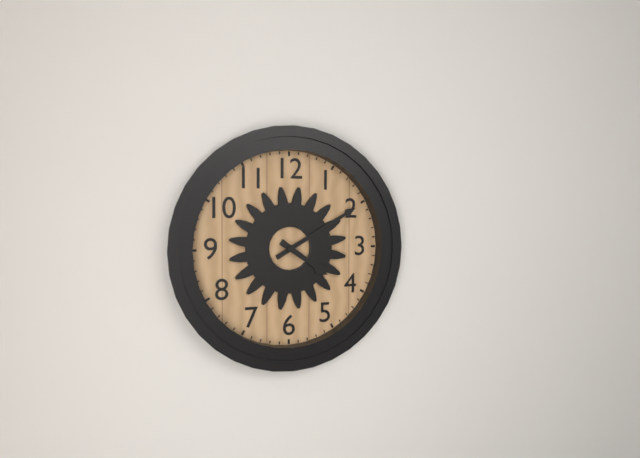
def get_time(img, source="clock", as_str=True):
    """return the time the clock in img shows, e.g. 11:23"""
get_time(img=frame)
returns 4:10
